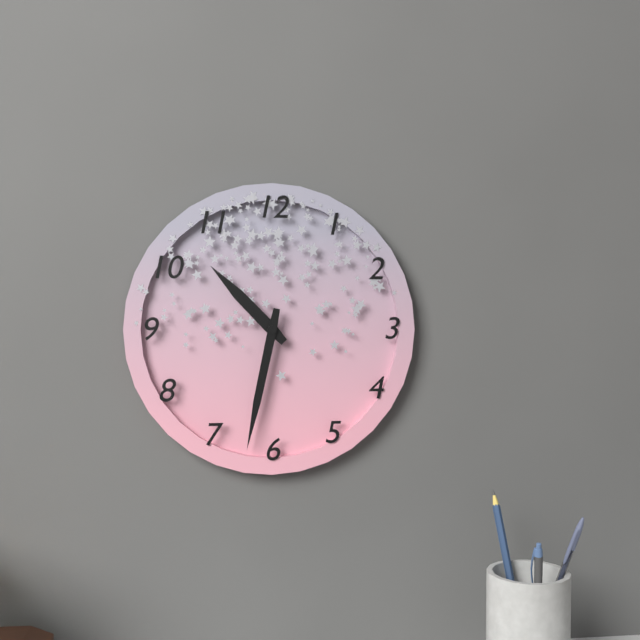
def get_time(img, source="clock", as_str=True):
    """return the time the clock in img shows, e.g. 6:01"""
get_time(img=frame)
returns 10:32
